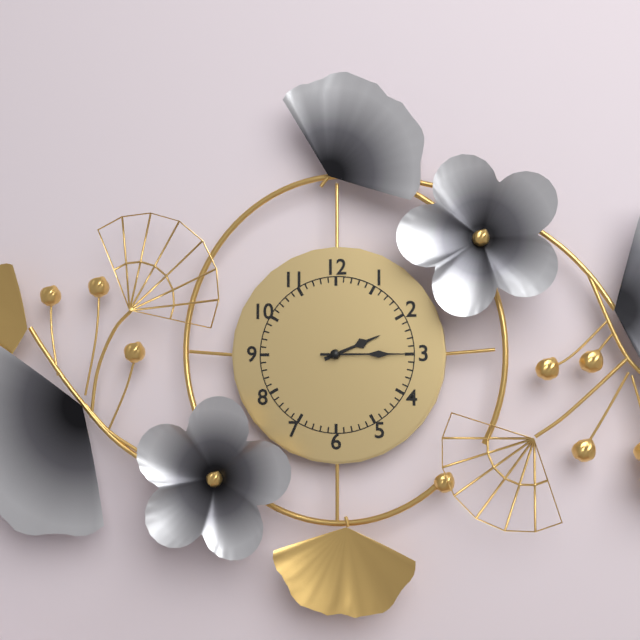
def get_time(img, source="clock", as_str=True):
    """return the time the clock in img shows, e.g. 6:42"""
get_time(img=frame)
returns 2:15
